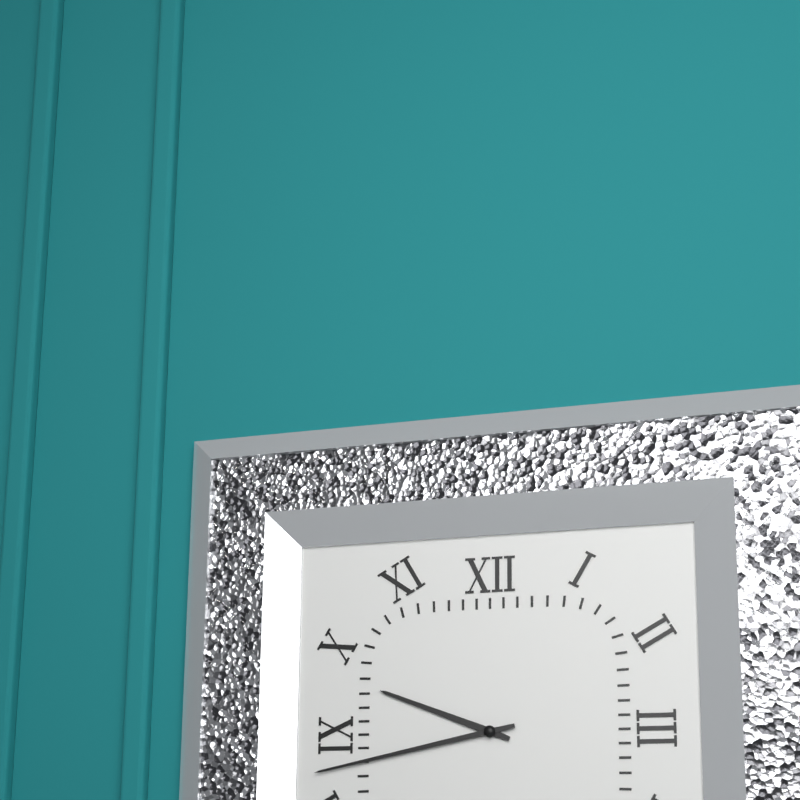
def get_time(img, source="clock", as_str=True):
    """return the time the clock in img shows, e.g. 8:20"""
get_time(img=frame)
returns 9:43
